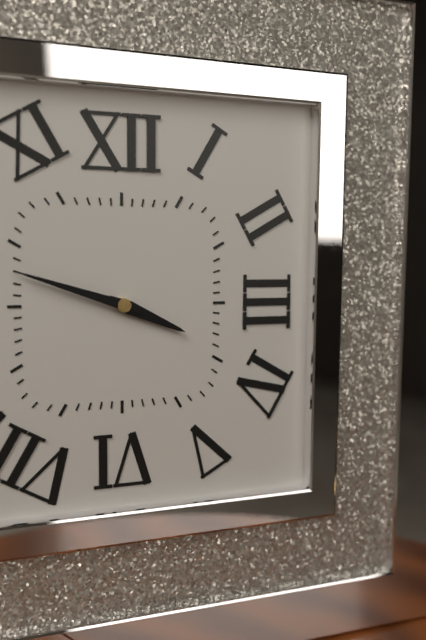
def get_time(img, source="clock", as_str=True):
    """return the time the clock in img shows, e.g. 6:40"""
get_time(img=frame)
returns 3:48
